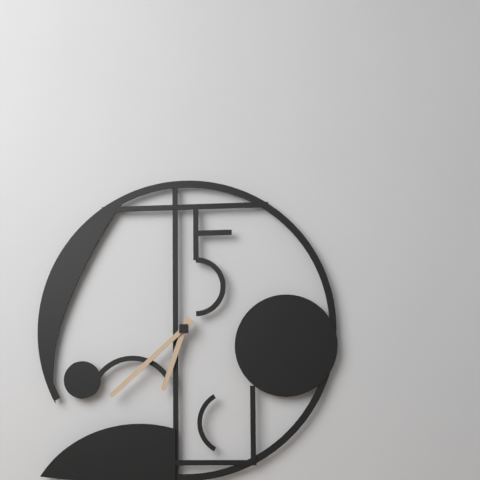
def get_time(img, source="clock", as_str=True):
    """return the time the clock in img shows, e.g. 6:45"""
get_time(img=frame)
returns 6:38
